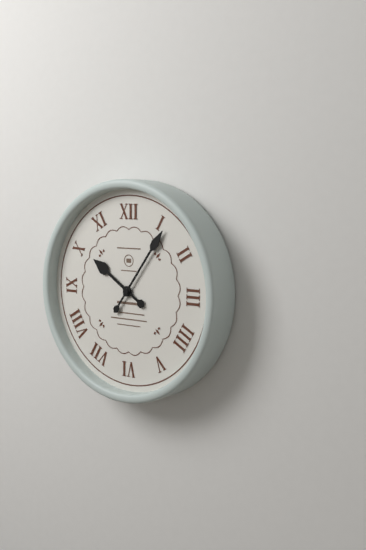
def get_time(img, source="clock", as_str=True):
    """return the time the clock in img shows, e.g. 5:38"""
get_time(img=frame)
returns 10:06
